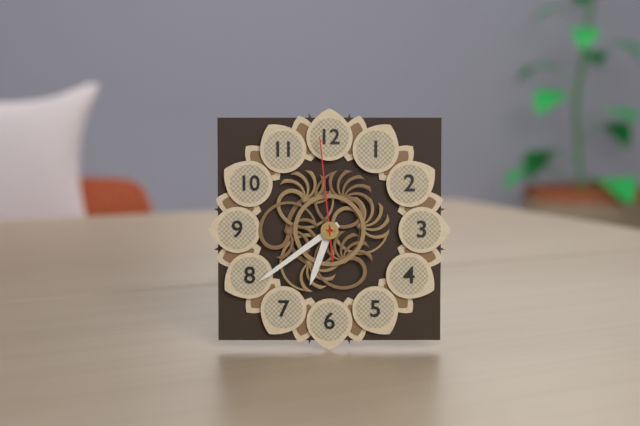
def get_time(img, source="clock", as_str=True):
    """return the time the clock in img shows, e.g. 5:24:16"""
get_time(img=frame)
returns 6:39:59
